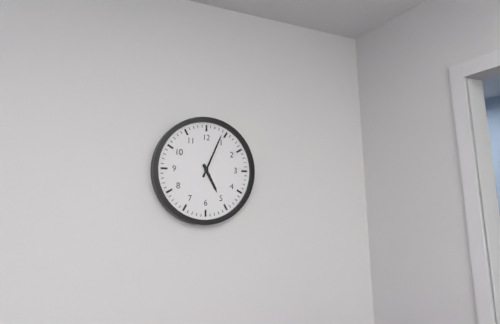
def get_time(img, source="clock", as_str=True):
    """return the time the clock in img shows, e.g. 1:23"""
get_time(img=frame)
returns 5:04
